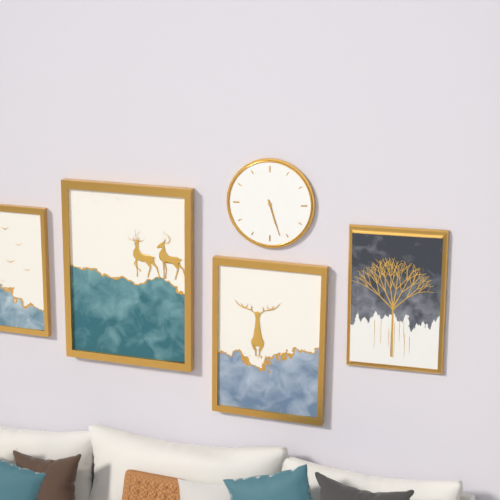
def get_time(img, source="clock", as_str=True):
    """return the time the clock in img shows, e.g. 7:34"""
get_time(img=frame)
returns 5:27
